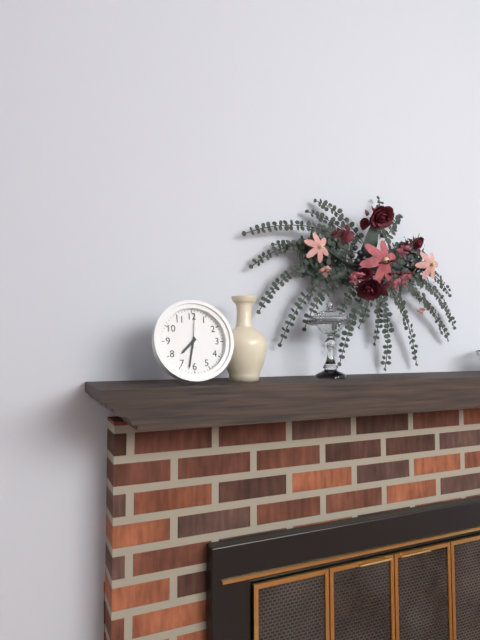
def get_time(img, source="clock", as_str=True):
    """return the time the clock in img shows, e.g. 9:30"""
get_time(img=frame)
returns 7:32
